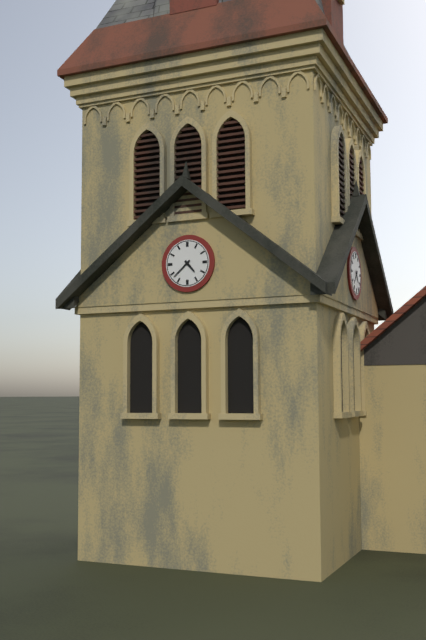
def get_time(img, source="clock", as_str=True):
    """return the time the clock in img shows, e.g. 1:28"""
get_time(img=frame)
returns 4:38
